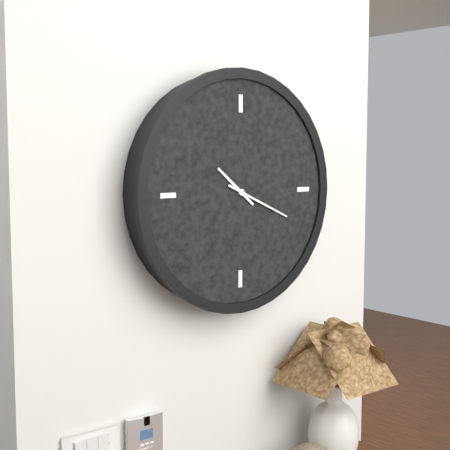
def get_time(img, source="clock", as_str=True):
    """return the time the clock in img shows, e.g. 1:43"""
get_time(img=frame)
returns 10:19
